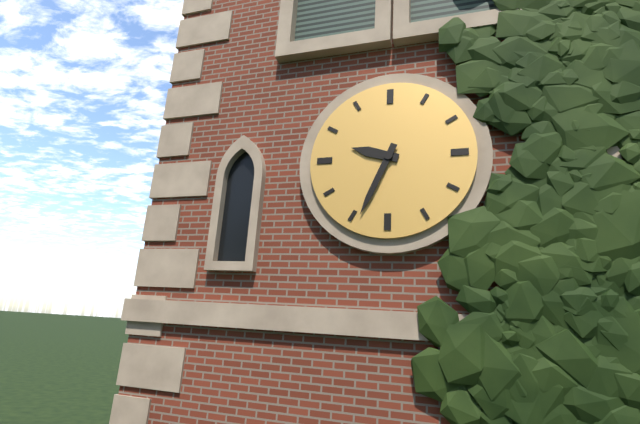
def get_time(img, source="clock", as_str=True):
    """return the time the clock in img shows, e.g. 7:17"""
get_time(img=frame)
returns 9:34
